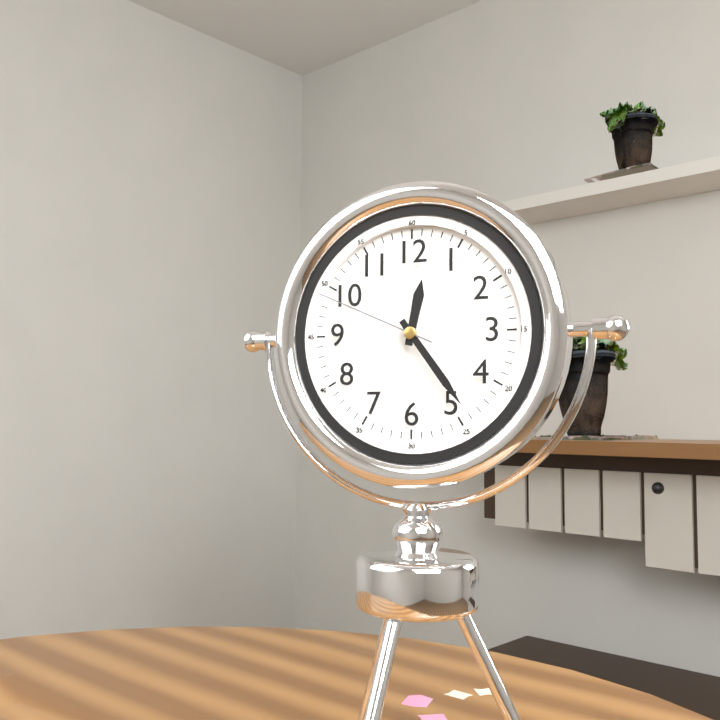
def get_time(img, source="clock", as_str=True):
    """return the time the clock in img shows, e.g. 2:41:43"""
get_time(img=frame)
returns 12:24:49
